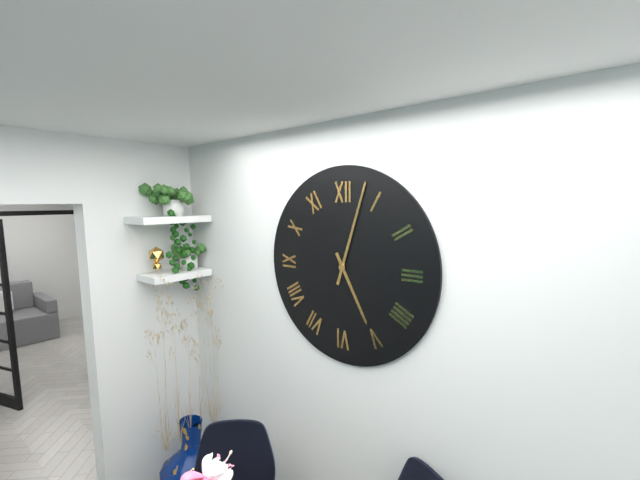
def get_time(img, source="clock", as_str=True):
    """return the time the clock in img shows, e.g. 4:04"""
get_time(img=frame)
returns 5:03
